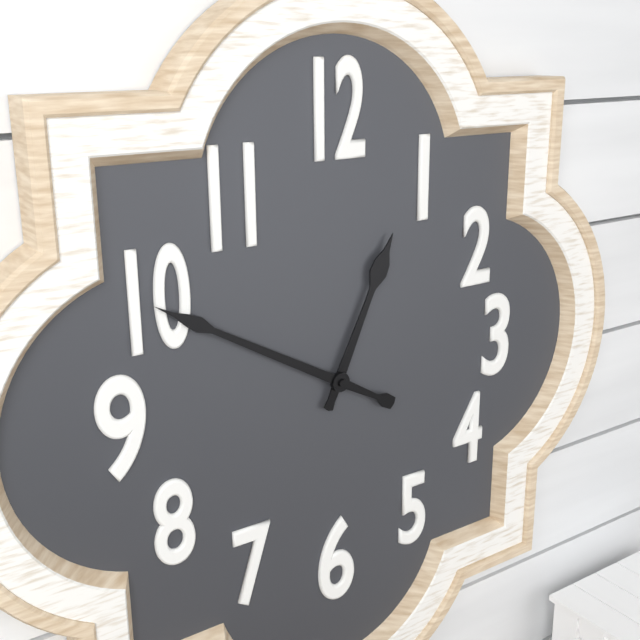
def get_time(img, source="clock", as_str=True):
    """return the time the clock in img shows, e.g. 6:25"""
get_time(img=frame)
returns 12:50
